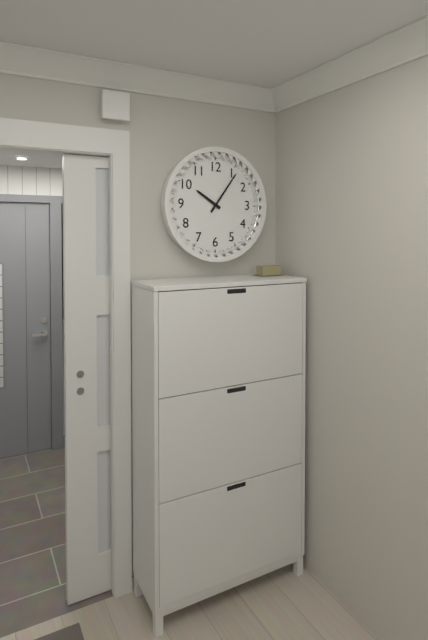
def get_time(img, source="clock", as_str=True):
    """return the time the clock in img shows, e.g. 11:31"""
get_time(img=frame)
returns 10:06
